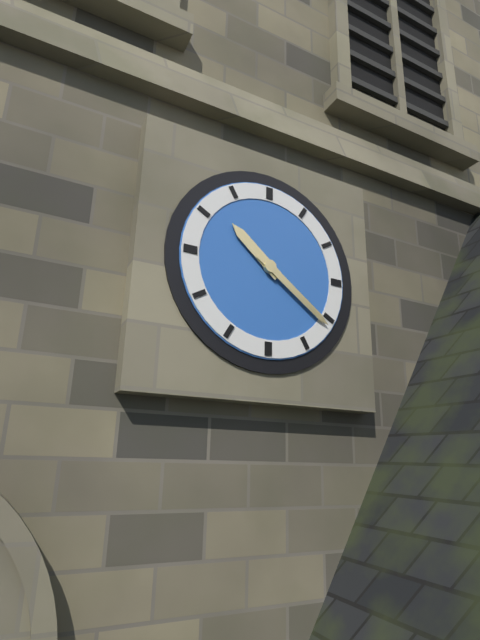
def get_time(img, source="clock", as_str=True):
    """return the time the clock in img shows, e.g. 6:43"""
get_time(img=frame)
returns 10:21
